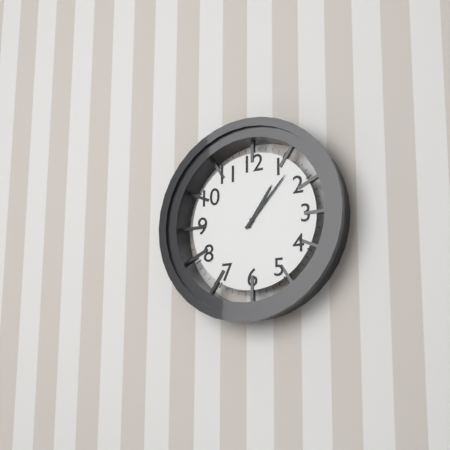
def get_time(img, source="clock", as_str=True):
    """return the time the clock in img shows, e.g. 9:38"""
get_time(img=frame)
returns 1:07
